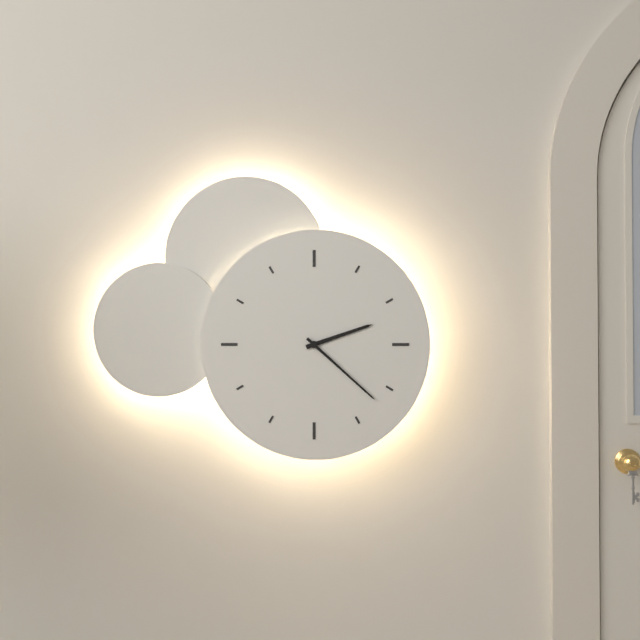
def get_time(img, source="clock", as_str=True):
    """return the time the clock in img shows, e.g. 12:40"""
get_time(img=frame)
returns 2:22
